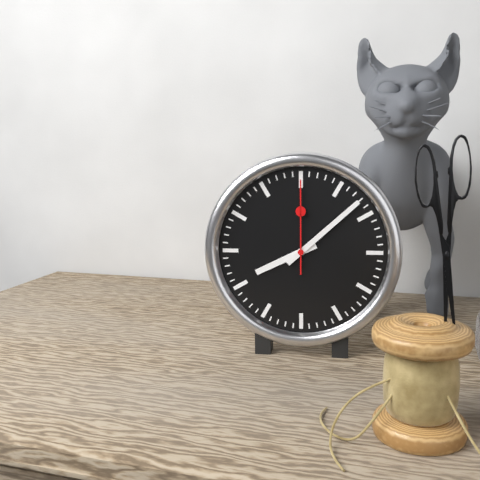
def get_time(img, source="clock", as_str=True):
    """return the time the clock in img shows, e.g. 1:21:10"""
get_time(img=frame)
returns 8:08:00
